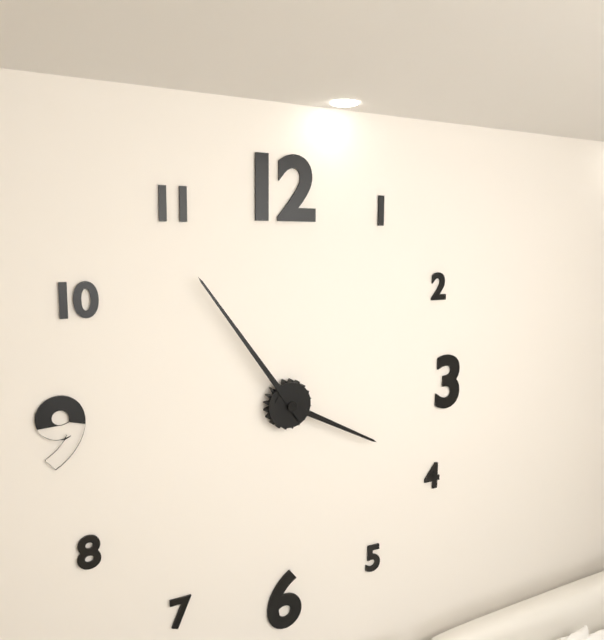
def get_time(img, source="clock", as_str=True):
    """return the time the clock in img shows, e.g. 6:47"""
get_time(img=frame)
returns 3:54
